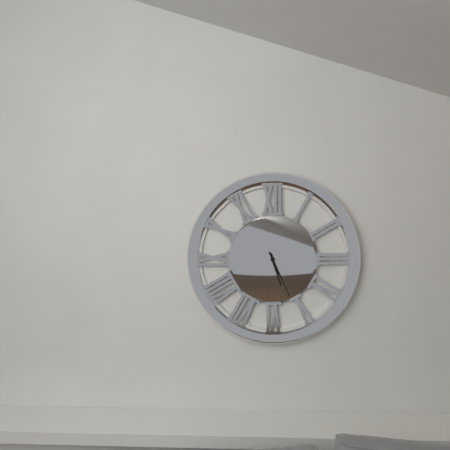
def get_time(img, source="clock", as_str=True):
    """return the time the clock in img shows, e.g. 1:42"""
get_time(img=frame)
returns 5:26
